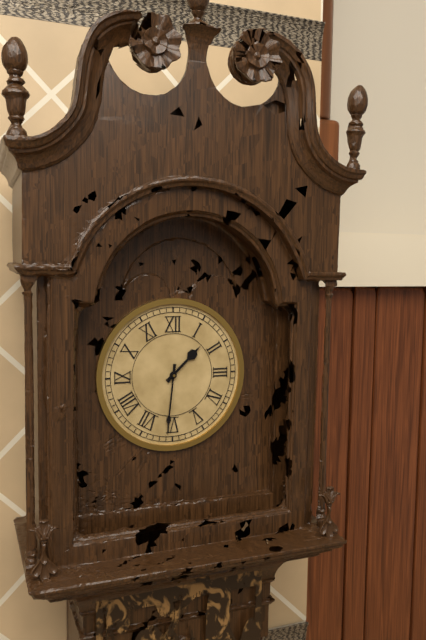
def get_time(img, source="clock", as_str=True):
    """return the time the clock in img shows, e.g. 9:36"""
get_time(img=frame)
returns 1:31
